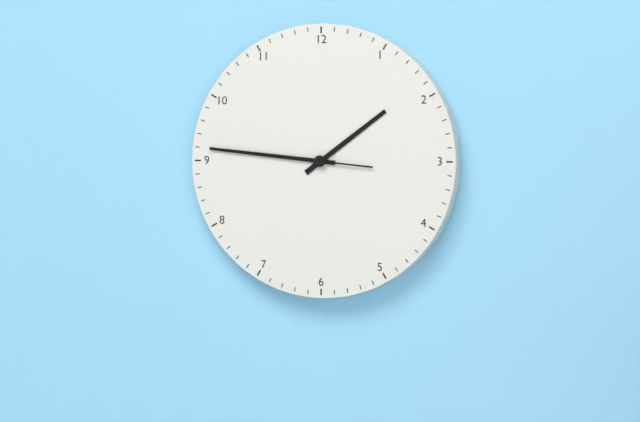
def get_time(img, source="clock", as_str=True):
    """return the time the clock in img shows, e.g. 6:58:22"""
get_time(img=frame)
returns 1:46:46
